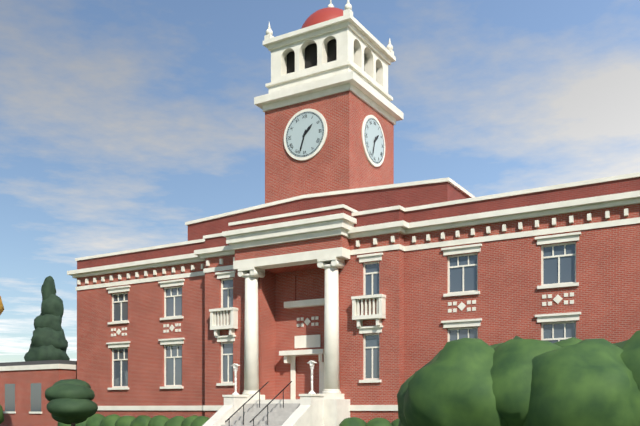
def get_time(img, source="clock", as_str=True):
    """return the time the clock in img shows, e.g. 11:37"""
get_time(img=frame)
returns 1:33
